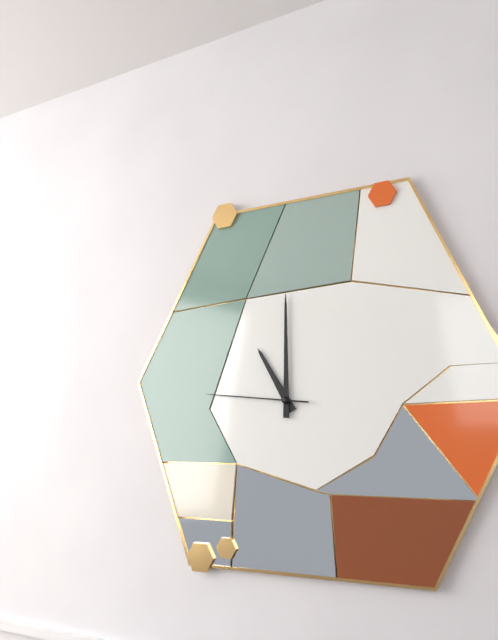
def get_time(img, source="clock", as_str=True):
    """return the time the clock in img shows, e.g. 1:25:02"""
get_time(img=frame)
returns 11:00:46
